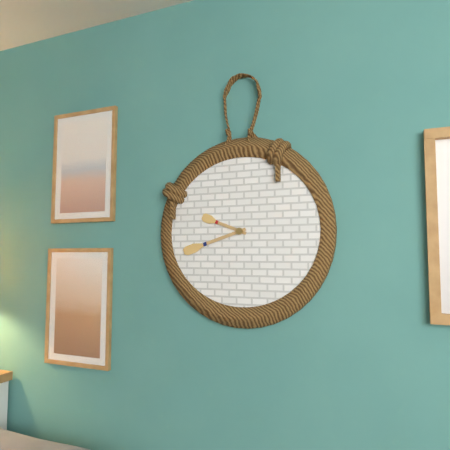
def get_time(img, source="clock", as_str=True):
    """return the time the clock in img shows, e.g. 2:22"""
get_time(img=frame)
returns 9:42
